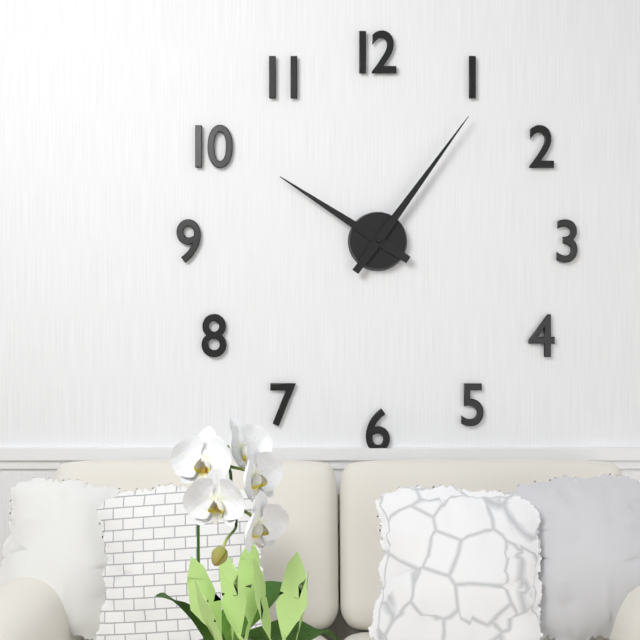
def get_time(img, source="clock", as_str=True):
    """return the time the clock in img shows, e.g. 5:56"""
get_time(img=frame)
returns 10:06
